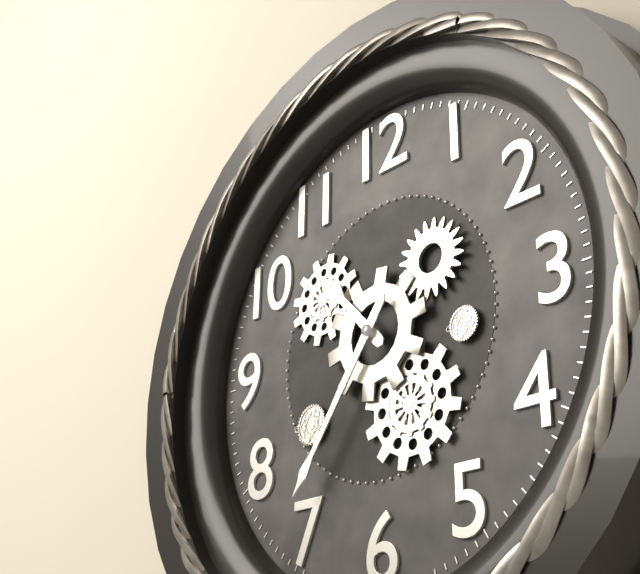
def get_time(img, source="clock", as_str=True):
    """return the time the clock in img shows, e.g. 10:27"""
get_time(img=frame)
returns 10:36
